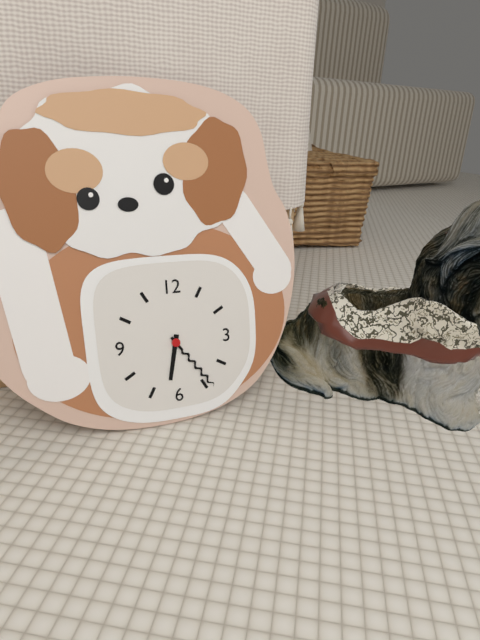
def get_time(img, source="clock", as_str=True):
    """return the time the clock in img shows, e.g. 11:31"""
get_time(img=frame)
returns 6:24
